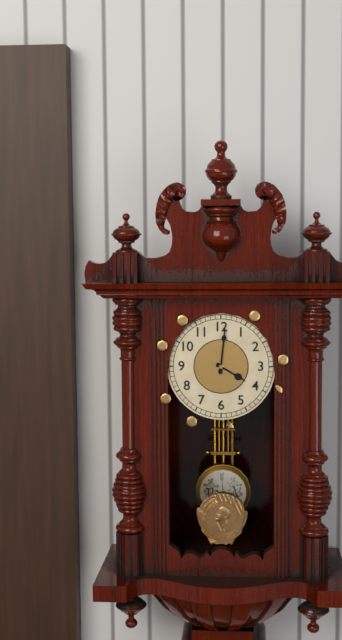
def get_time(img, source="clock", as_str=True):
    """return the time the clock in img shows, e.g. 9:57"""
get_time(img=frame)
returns 4:01
